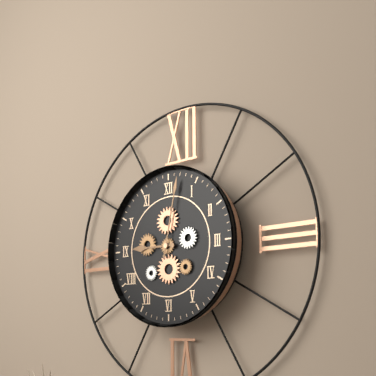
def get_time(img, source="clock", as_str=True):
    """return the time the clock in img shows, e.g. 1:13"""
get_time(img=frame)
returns 9:02
